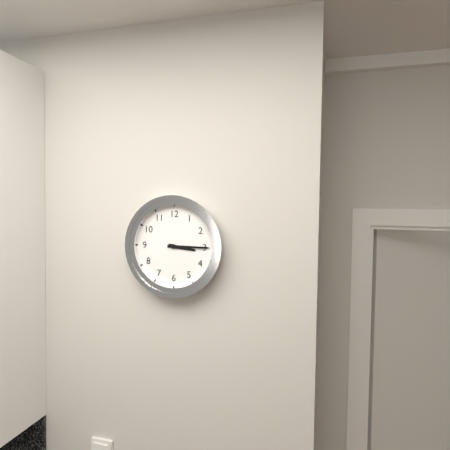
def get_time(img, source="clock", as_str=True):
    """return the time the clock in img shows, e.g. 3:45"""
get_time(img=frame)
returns 3:15
